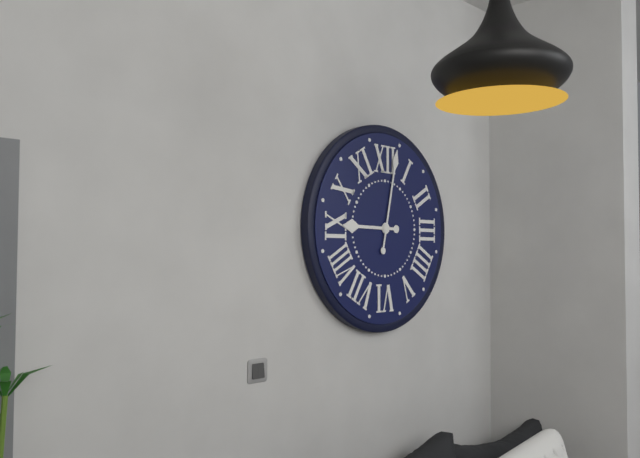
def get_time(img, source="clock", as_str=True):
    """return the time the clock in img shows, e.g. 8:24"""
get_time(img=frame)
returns 9:02
